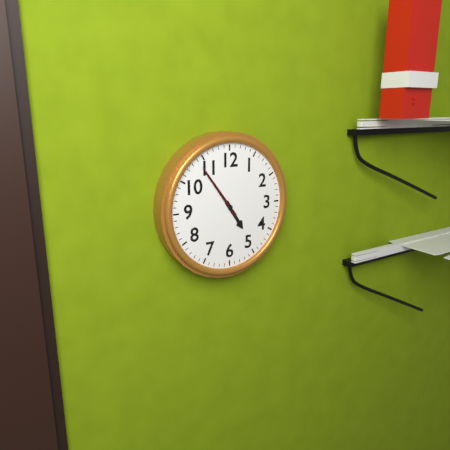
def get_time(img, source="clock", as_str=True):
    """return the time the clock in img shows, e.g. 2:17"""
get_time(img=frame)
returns 4:54
